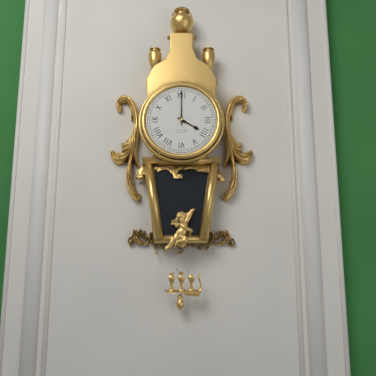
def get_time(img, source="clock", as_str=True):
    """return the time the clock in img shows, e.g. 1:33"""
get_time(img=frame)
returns 4:00
